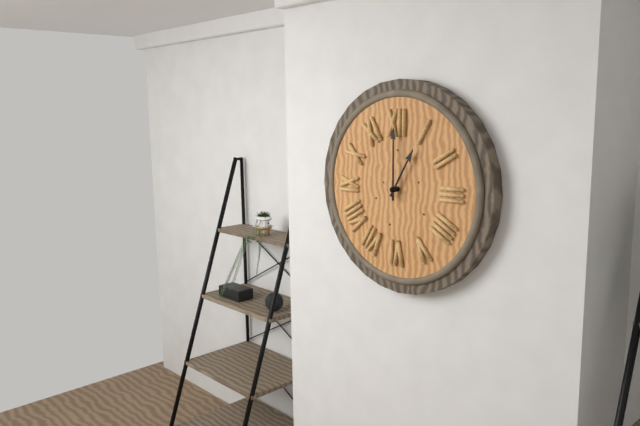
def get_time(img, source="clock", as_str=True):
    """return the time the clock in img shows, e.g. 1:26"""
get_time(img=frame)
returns 1:00
